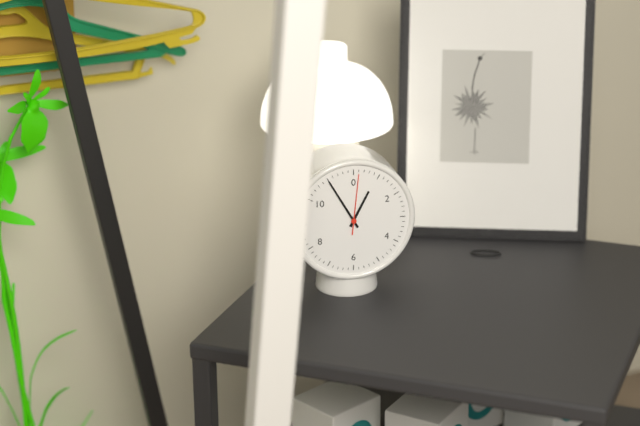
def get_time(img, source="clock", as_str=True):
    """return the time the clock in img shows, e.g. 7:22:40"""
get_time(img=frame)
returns 12:55:01
